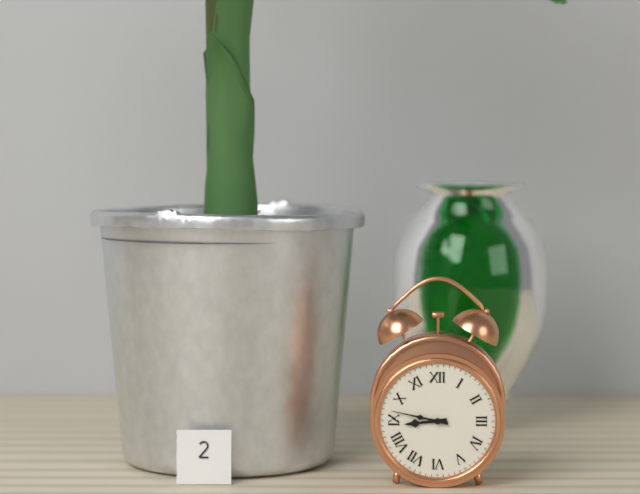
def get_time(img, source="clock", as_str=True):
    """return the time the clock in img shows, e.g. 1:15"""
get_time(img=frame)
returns 8:47
